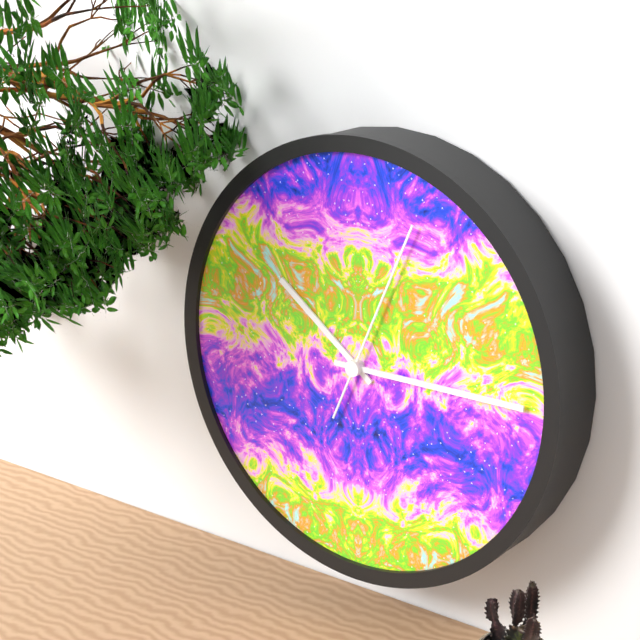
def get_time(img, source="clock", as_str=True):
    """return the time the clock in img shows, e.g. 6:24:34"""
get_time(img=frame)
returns 10:15:04
